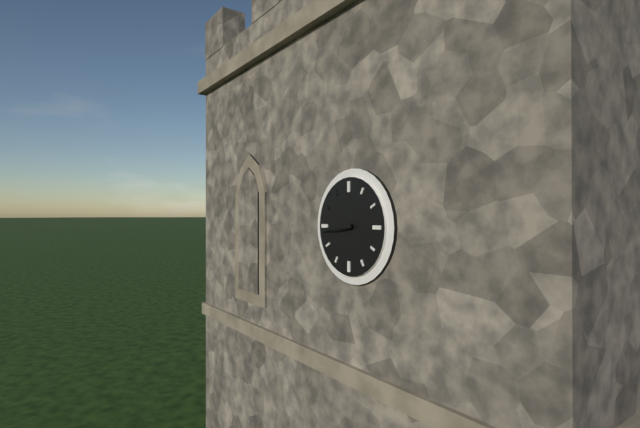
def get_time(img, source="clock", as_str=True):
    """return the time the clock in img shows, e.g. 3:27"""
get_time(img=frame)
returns 8:44
